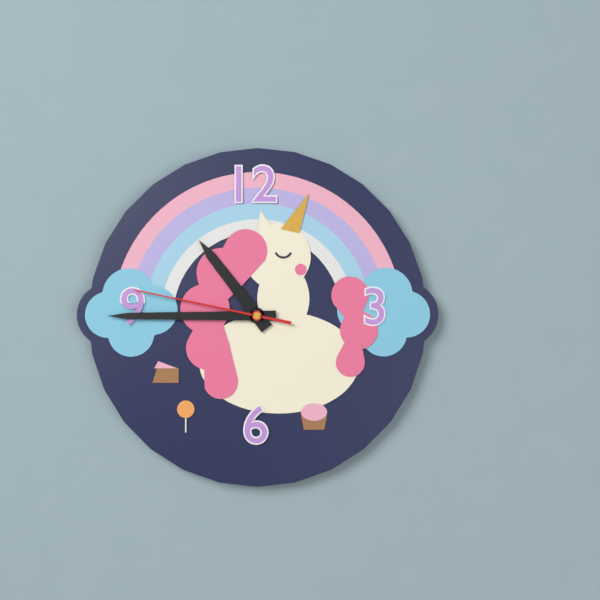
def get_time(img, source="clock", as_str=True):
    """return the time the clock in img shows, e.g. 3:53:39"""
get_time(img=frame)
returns 10:45:47
